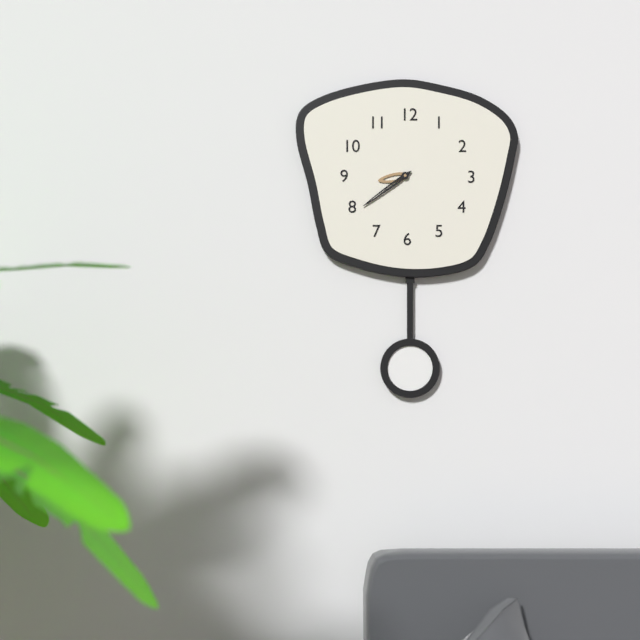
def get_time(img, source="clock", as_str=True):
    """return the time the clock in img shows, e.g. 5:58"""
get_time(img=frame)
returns 8:39
